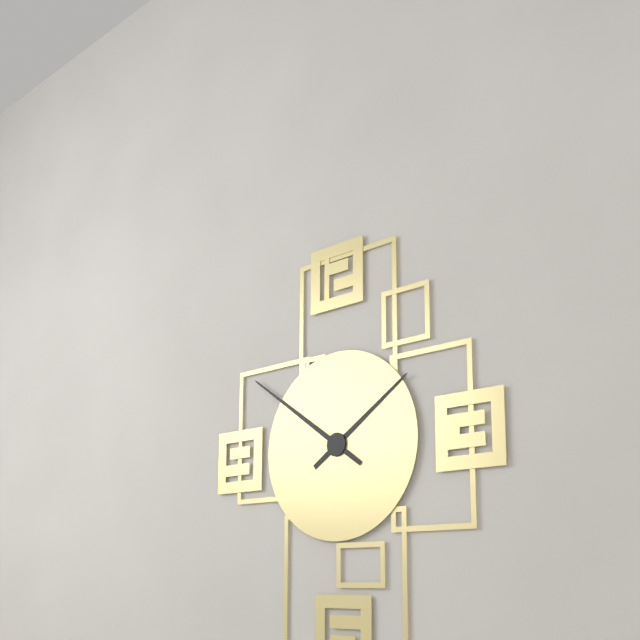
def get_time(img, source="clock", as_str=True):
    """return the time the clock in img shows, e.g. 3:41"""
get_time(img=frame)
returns 1:51
